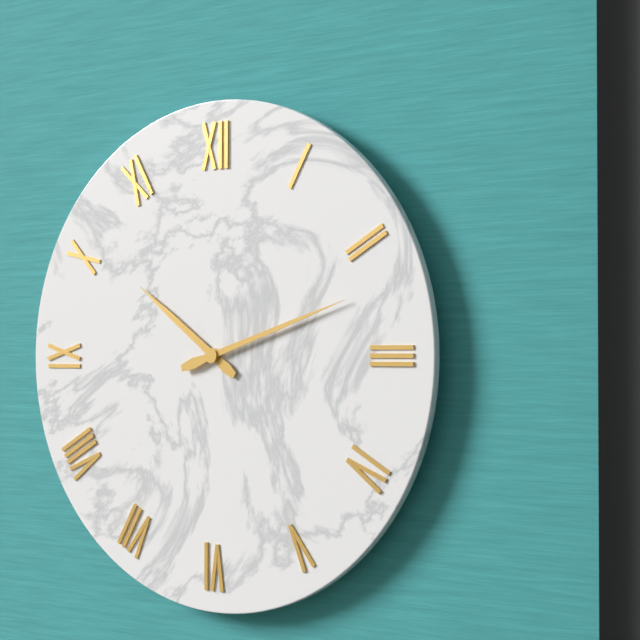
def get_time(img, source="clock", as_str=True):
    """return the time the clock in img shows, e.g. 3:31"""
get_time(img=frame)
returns 10:12
